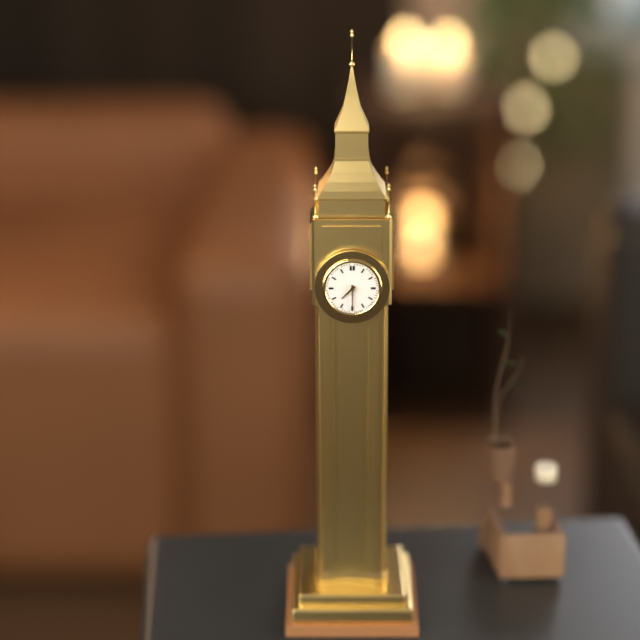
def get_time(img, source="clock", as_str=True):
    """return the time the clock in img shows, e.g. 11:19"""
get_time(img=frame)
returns 7:30
